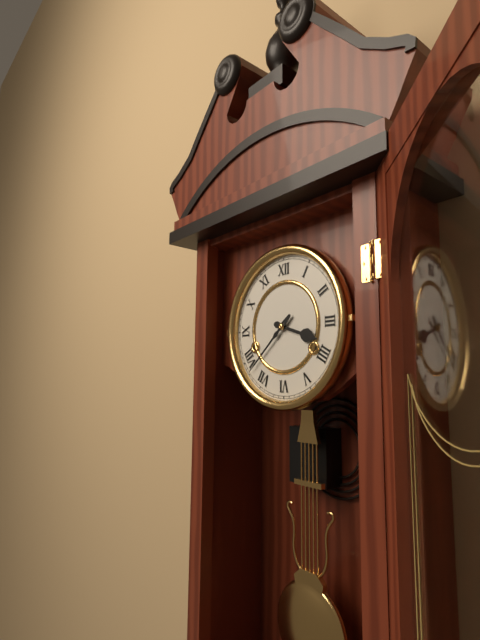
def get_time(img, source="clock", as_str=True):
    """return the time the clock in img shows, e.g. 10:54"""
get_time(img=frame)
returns 3:38
